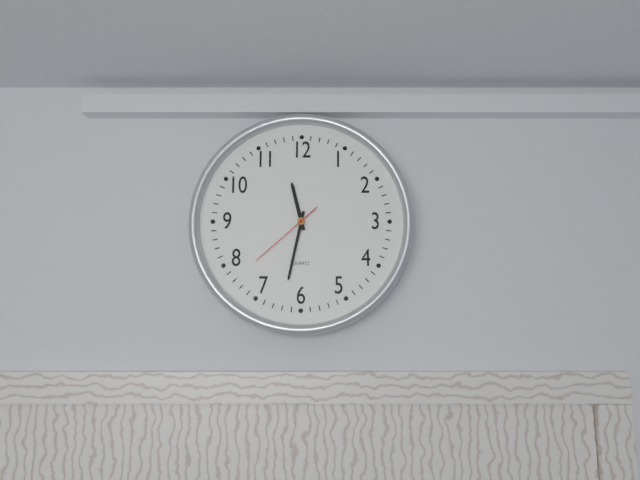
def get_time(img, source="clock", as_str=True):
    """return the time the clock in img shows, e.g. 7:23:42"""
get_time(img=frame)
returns 11:32:38
